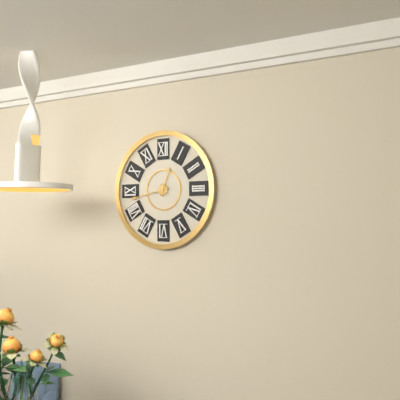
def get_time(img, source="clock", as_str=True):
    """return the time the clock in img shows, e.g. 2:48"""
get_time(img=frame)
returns 12:43
